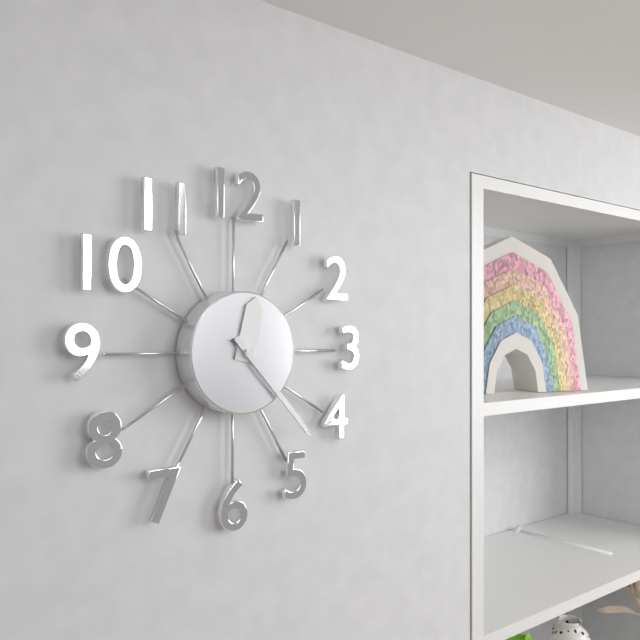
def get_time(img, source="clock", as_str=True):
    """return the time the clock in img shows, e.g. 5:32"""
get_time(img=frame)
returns 12:23
